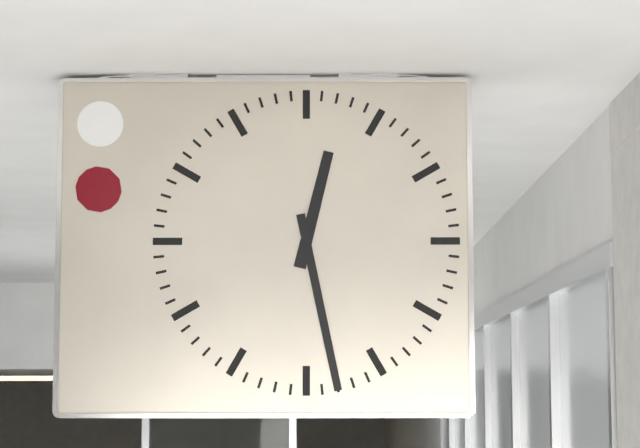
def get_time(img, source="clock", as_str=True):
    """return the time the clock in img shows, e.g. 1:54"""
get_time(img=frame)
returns 12:28
